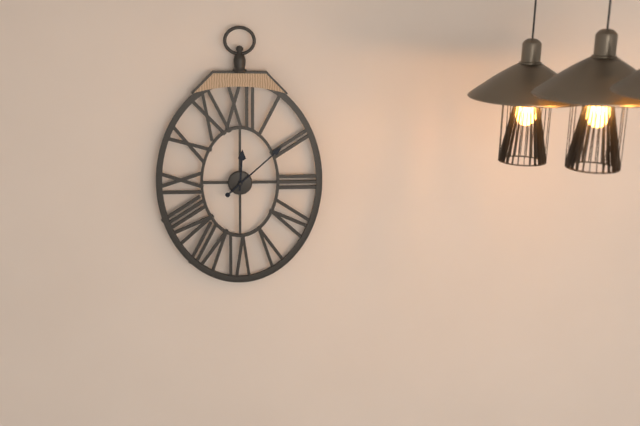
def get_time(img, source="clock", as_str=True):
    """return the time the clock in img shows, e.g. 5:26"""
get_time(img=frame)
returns 12:08
